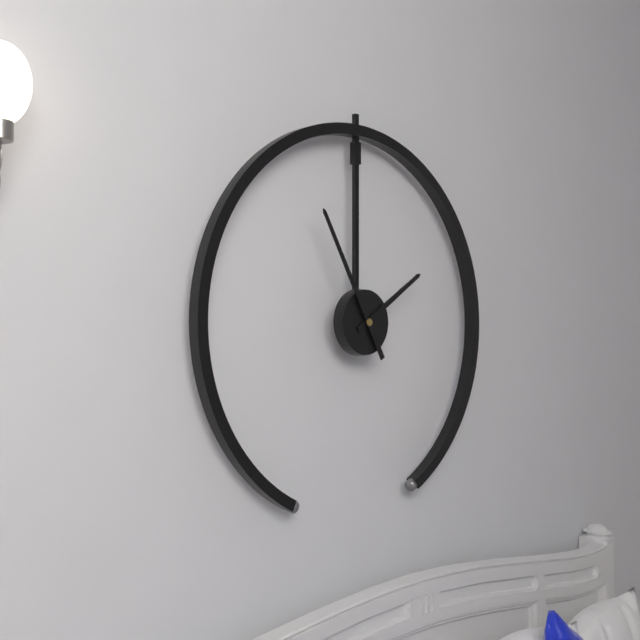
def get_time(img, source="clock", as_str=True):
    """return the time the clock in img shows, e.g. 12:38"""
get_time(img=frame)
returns 1:55
